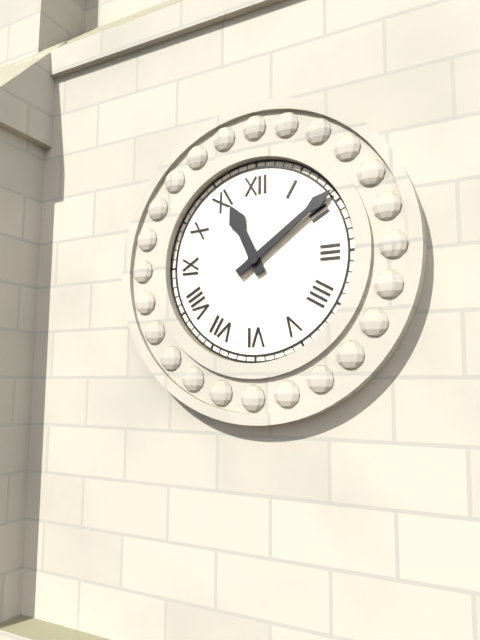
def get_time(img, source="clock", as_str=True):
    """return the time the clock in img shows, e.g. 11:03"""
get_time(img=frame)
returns 11:09
